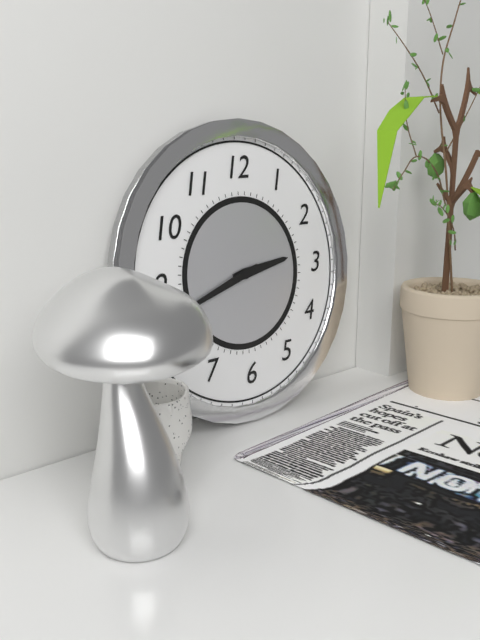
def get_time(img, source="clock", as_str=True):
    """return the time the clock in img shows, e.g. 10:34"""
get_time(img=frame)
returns 2:42
